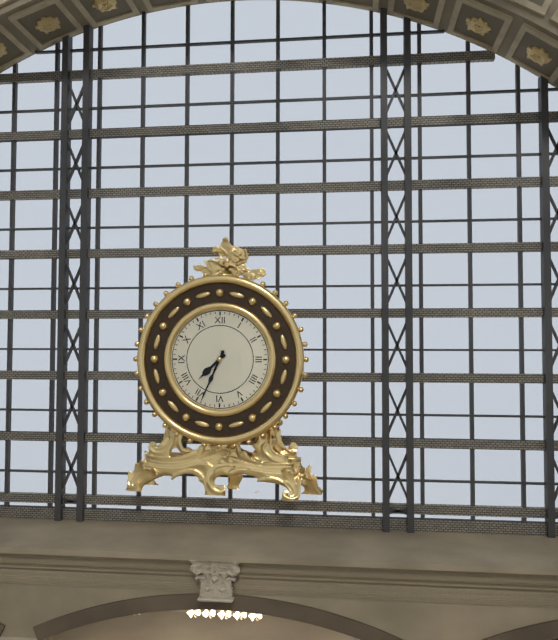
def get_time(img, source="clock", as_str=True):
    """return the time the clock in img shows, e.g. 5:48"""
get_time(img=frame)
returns 7:34
